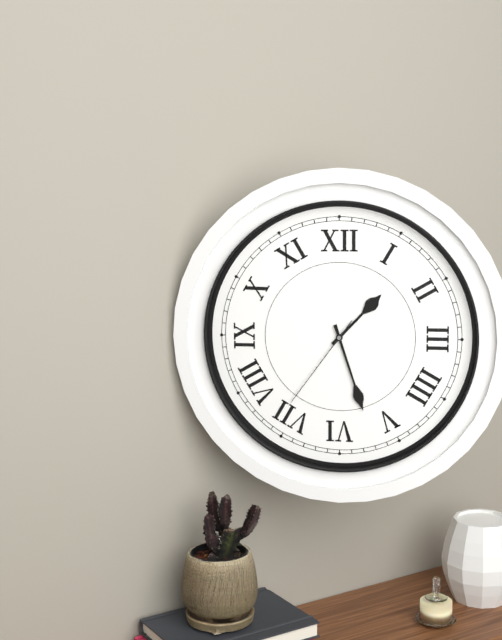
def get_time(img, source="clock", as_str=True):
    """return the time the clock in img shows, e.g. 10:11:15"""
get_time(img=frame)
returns 1:27:36
